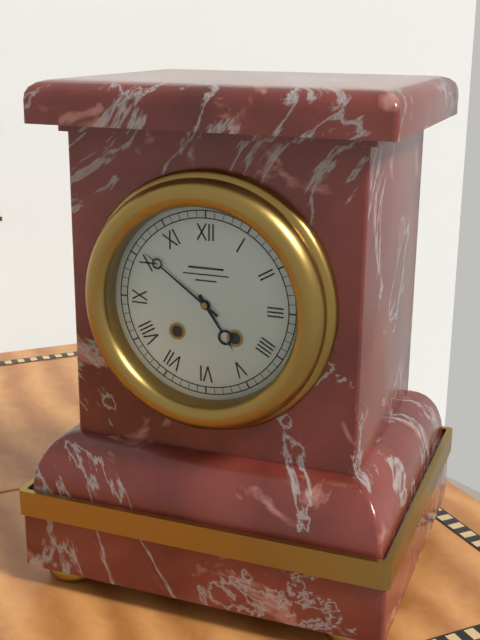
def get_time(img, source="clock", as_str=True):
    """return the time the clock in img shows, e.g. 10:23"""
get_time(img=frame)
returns 4:51
